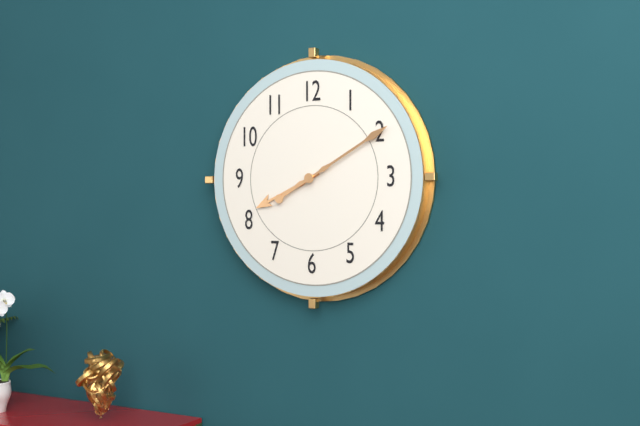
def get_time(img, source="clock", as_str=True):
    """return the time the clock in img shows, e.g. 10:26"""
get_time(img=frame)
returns 8:10
